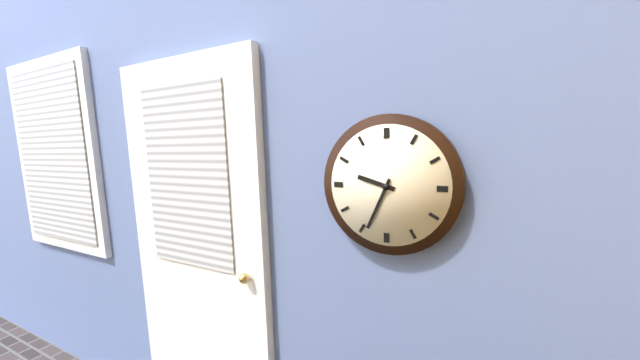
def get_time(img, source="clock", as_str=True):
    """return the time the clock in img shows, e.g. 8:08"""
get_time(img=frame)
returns 9:34
